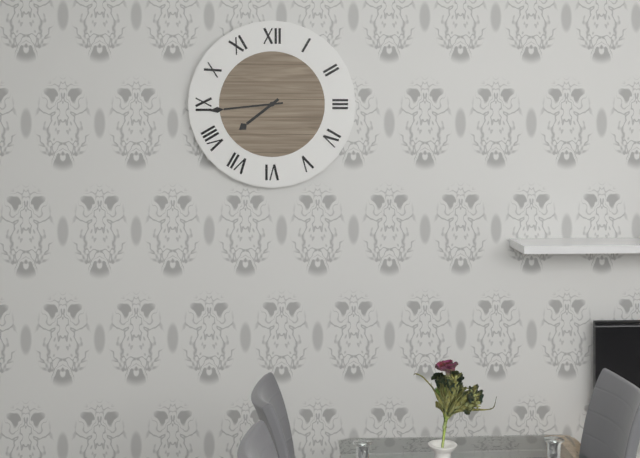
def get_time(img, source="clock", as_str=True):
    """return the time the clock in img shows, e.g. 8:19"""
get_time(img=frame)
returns 7:44
